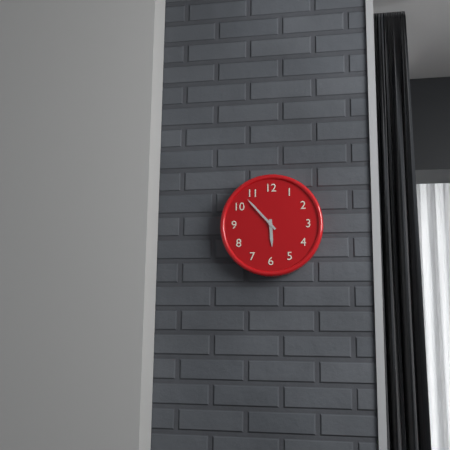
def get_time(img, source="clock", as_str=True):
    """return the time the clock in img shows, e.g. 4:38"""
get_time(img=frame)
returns 5:53
